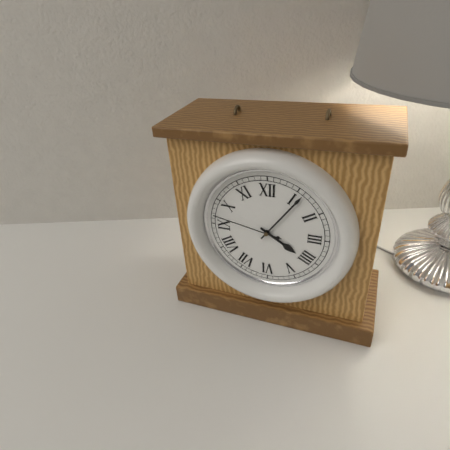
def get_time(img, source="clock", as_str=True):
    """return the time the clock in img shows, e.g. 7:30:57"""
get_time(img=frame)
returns 4:06:47
